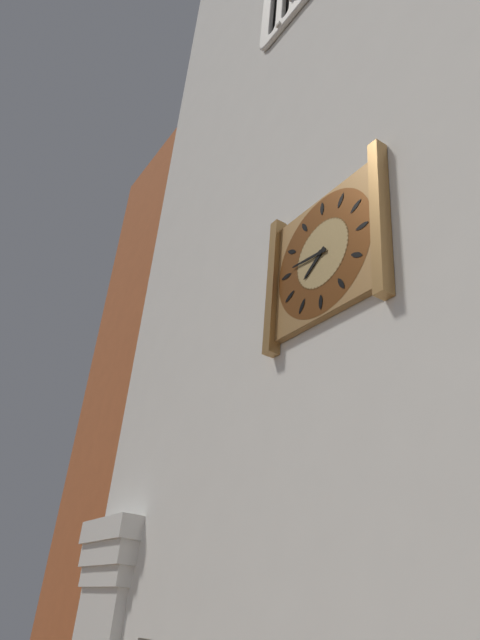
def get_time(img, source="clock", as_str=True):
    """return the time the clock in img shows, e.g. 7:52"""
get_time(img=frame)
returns 7:46
